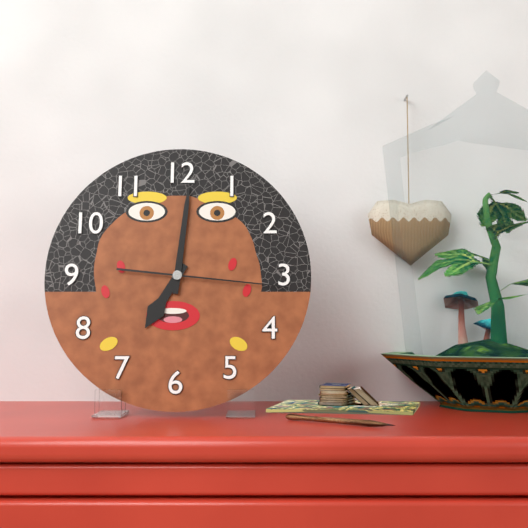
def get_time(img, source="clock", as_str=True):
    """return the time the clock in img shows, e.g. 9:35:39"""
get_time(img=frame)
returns 7:01:16
